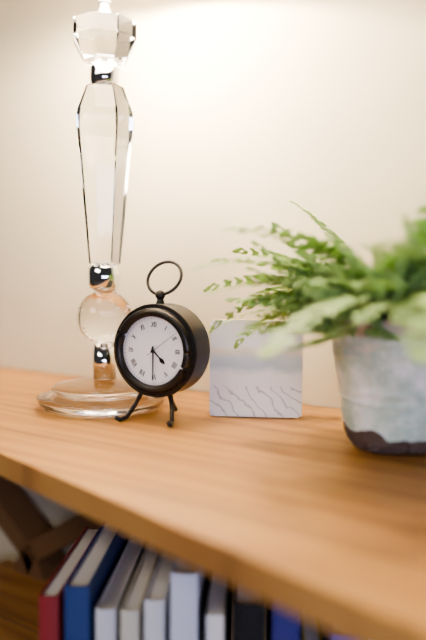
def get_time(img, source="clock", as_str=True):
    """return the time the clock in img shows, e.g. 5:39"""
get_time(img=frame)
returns 4:30
